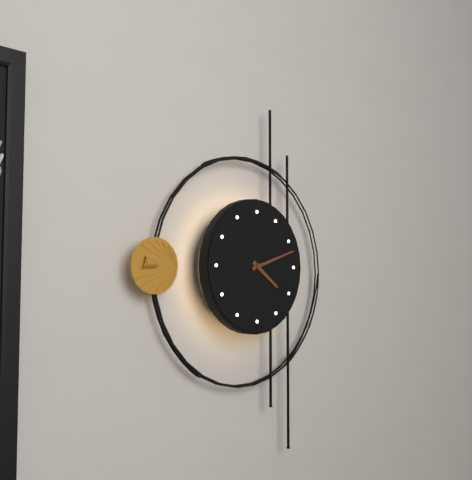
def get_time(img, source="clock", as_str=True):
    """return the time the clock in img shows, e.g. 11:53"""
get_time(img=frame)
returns 4:12
